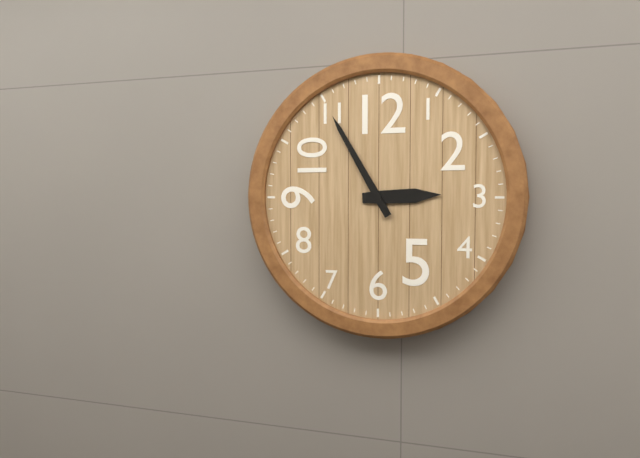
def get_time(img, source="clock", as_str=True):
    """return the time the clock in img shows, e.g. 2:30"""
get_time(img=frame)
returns 2:55
